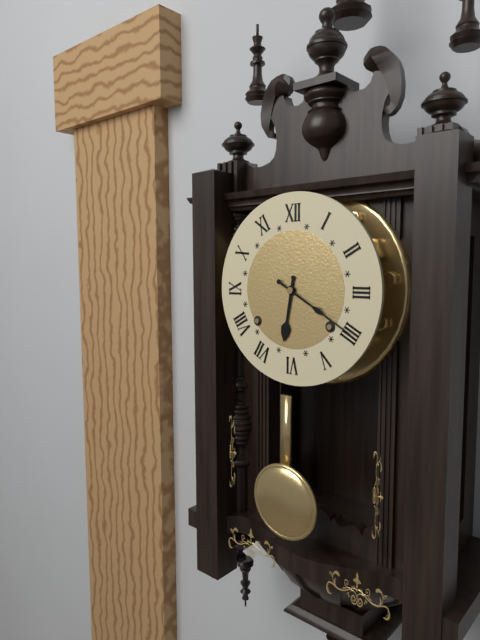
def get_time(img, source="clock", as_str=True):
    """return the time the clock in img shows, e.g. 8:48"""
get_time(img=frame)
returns 6:20
